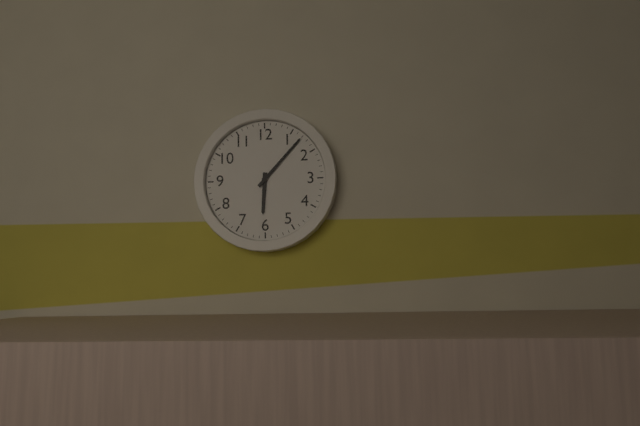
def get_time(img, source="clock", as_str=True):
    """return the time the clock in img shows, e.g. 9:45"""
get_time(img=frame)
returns 6:07
